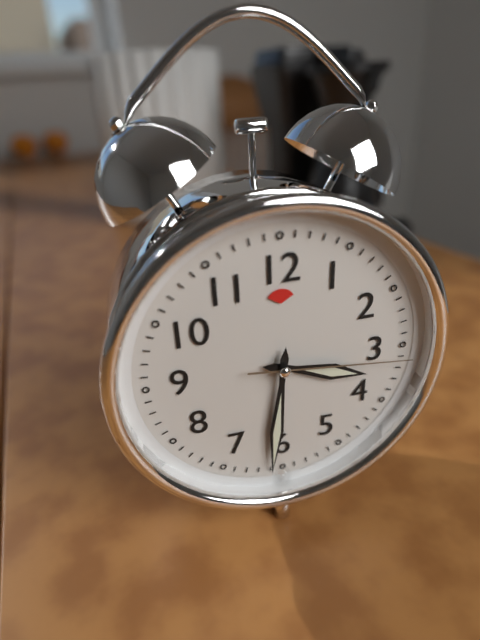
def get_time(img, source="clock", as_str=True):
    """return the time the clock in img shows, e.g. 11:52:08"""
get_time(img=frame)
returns 3:31:16
